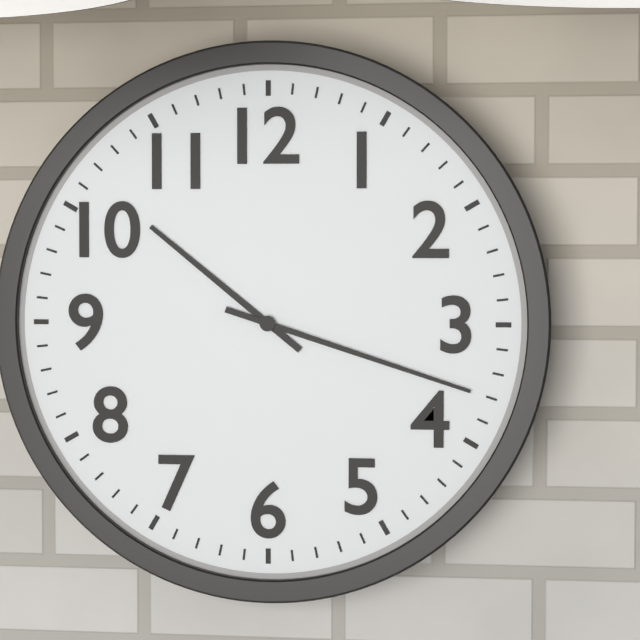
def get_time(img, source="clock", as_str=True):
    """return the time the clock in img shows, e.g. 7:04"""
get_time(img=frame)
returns 10:18
